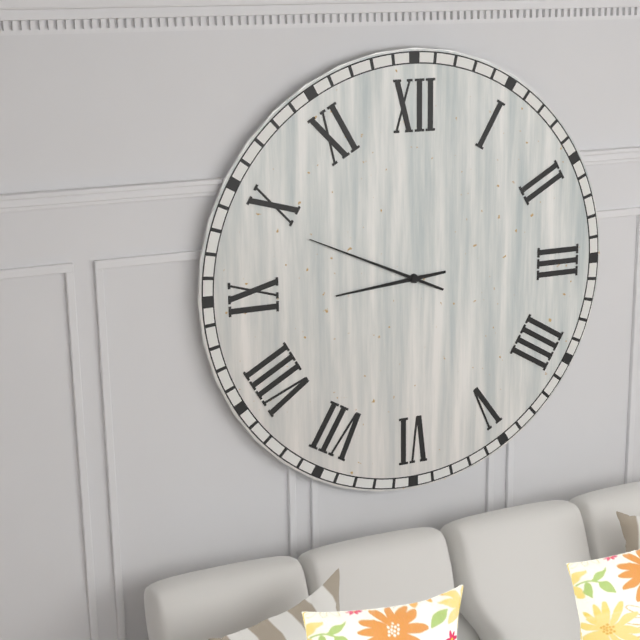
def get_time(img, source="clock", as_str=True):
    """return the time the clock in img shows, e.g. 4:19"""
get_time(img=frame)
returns 8:49
